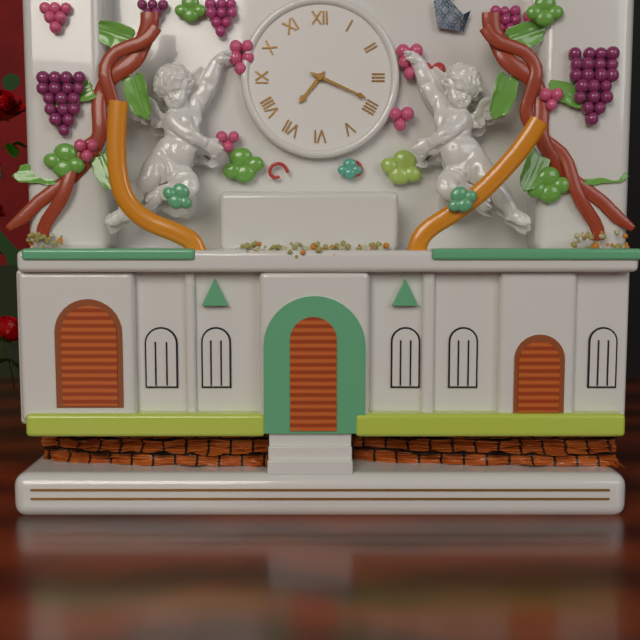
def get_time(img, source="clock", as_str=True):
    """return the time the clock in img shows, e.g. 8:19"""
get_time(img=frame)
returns 7:19
